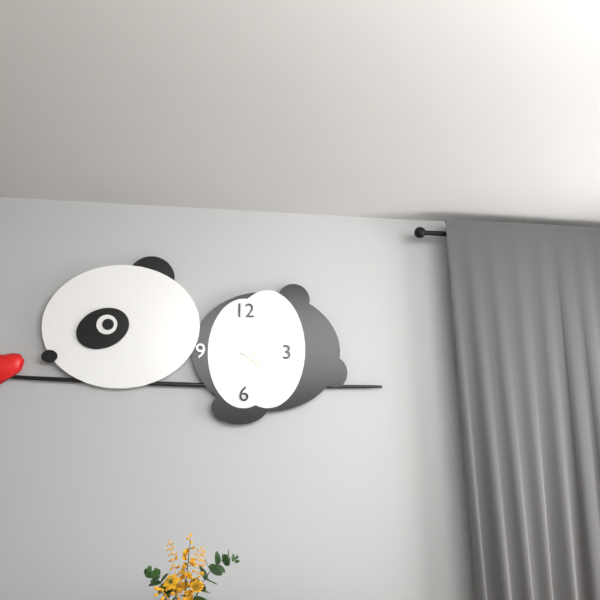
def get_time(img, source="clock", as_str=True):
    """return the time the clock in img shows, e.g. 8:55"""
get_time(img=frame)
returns 4:16
